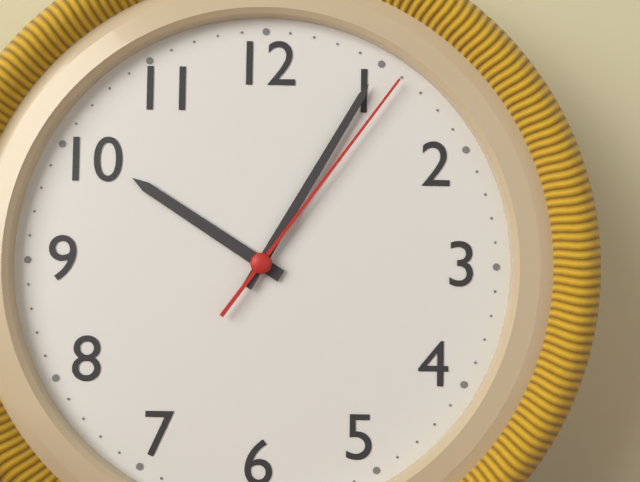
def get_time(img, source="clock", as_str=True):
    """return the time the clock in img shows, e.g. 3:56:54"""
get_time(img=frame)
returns 10:05:06
